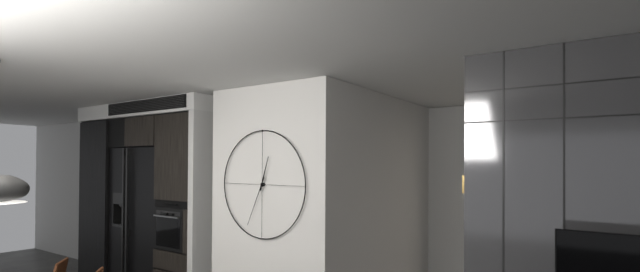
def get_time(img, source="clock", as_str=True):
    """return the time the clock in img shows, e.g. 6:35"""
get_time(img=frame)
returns 12:34
